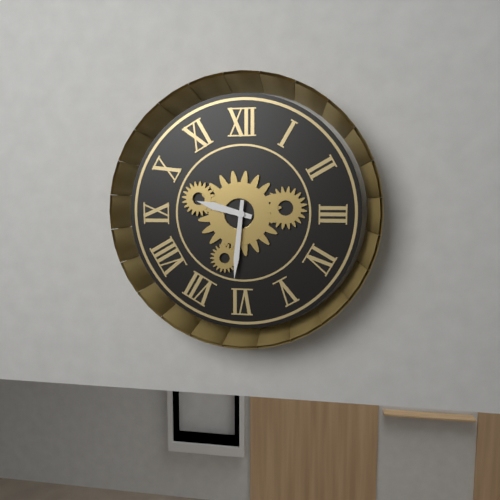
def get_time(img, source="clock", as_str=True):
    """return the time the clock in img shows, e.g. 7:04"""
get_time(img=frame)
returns 9:31
